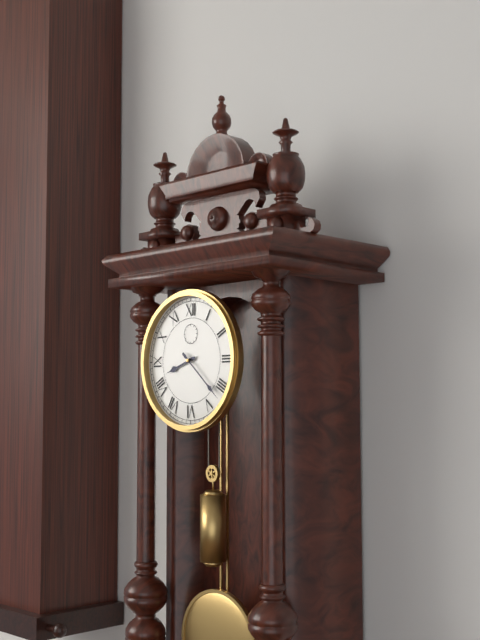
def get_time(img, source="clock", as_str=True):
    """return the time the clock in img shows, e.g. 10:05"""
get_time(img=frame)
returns 8:22
